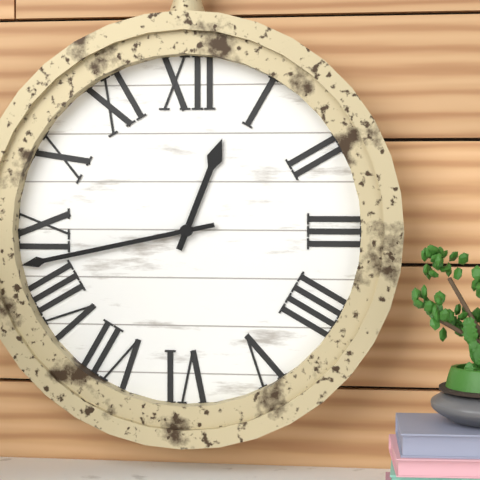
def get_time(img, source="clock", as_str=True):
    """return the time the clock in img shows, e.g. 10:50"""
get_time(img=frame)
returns 12:43
